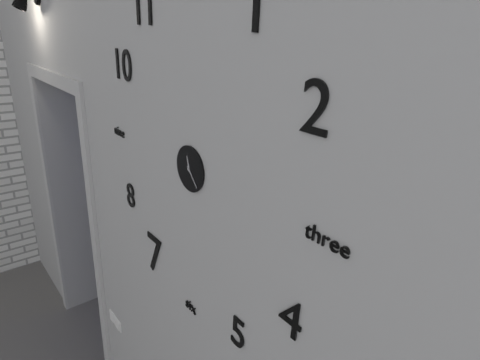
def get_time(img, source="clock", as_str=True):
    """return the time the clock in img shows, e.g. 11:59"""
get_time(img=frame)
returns 11:23
